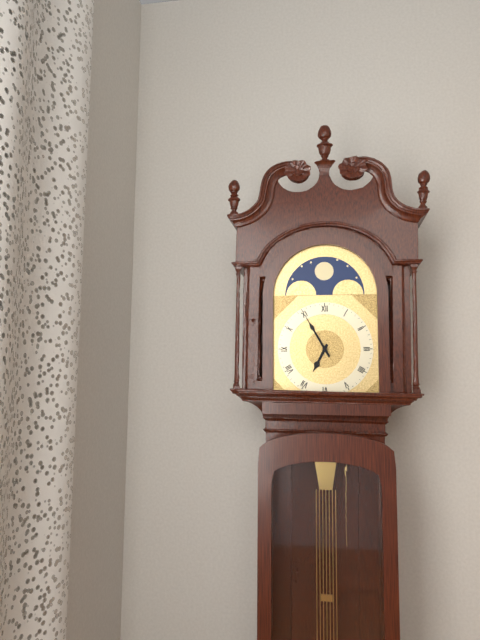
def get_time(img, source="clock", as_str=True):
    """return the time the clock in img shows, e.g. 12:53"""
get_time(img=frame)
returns 6:55
